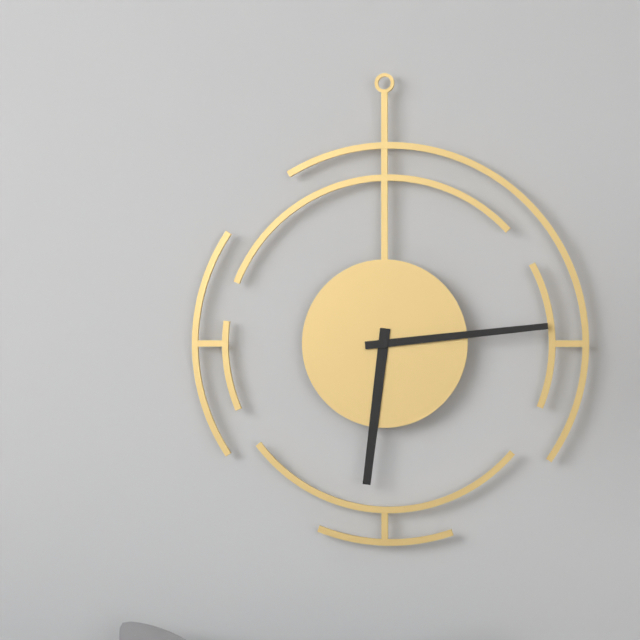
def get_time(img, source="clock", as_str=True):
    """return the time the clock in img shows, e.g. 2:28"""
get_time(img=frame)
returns 6:14
